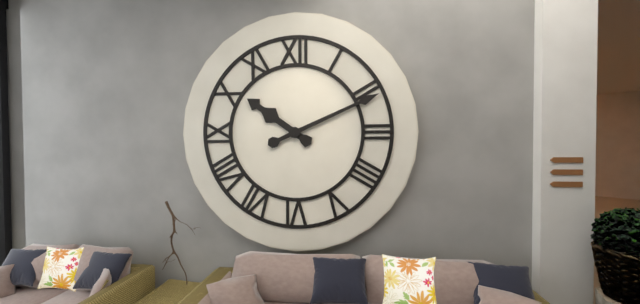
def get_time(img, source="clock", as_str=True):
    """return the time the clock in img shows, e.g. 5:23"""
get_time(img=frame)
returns 10:11
